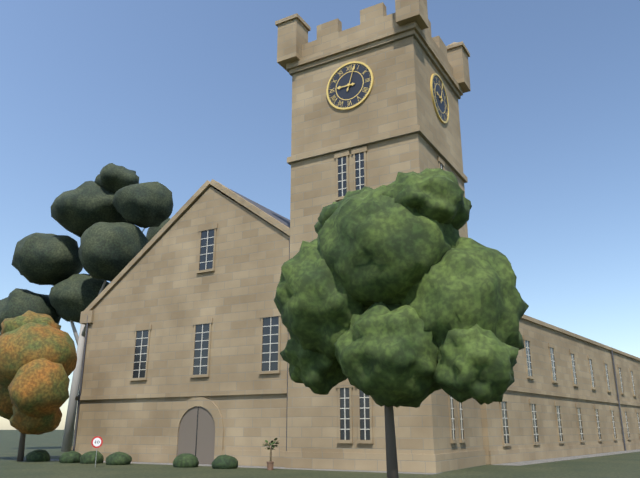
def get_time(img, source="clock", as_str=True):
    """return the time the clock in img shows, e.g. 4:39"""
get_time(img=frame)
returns 9:03
